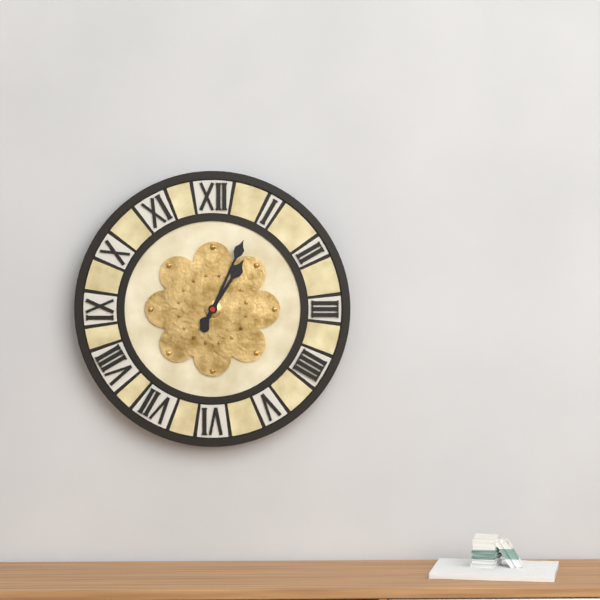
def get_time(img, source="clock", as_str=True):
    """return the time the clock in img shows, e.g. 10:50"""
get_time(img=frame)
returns 1:04
